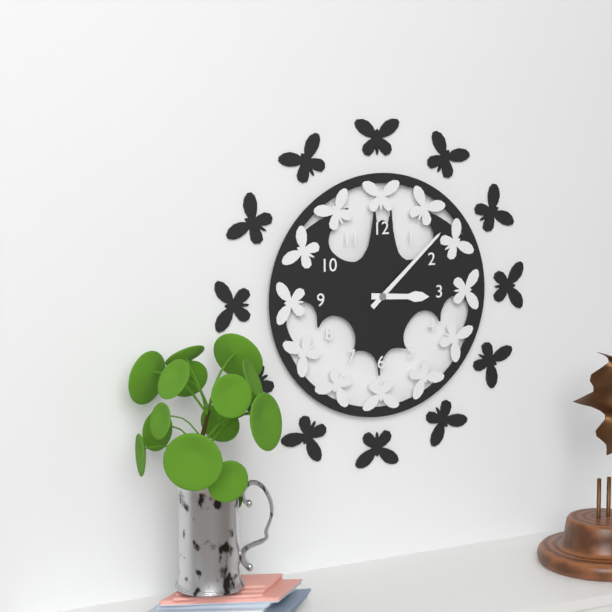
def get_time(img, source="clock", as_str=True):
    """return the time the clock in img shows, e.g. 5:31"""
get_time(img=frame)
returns 3:08
